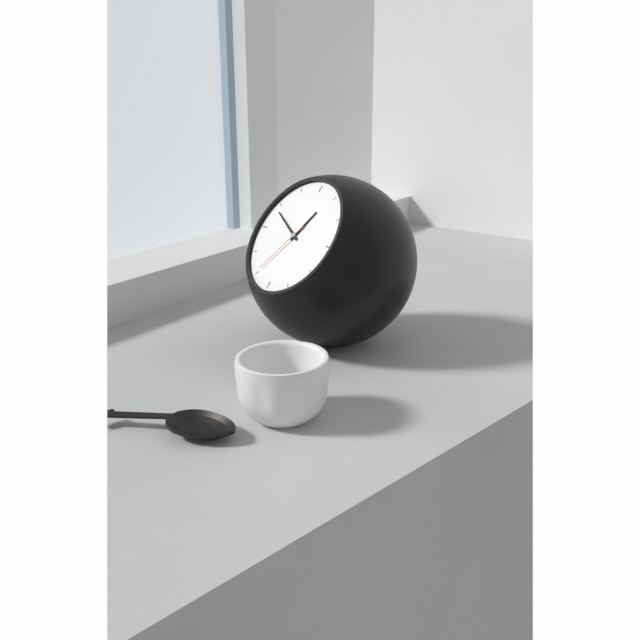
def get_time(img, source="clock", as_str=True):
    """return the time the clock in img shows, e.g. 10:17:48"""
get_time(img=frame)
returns 12:49:35
